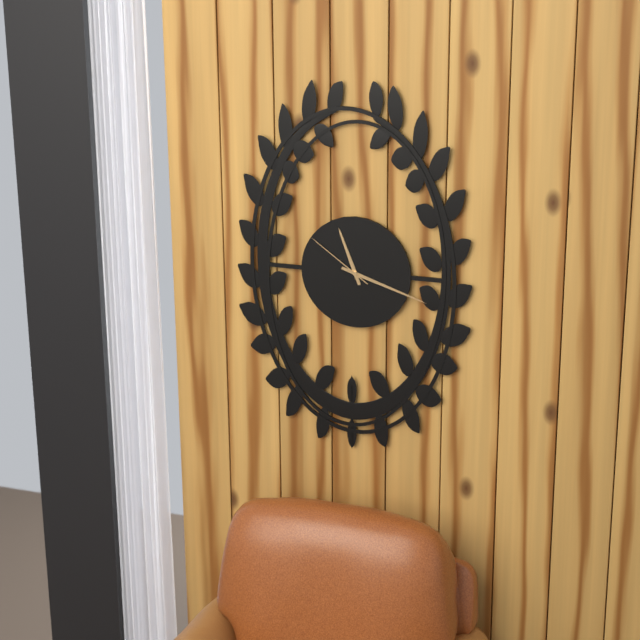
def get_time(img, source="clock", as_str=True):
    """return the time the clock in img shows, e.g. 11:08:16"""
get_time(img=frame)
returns 11:18:51
